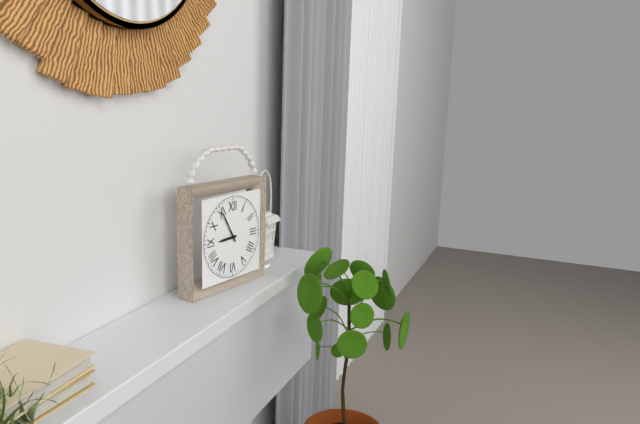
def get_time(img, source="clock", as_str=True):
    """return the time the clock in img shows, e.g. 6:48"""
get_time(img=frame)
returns 8:55
